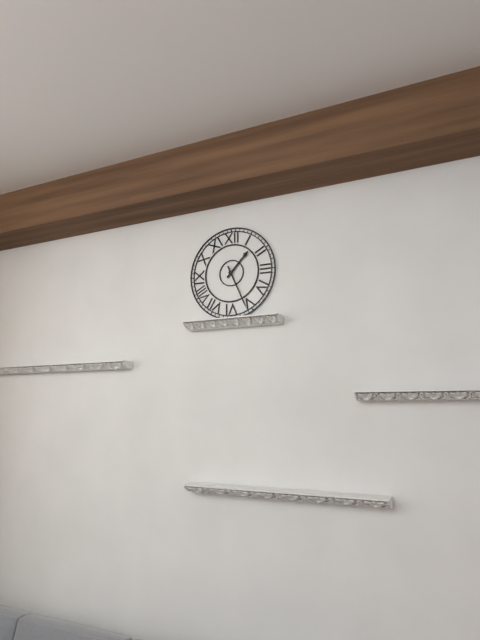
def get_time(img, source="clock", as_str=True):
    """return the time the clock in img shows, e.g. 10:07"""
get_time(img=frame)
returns 1:26
